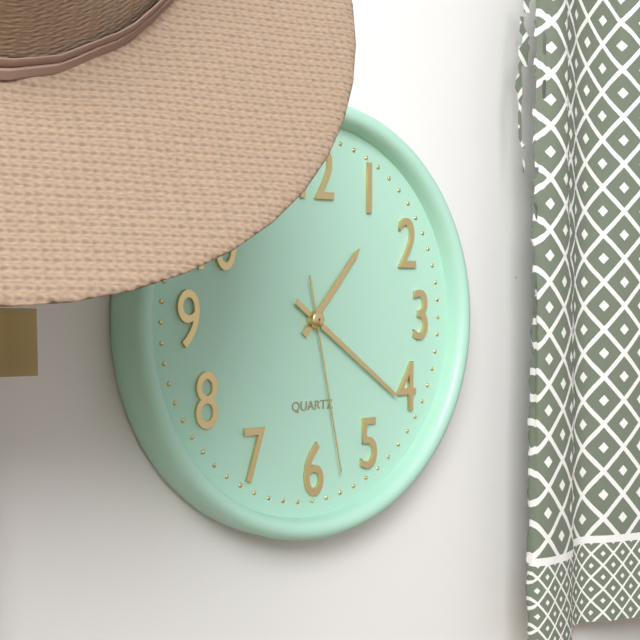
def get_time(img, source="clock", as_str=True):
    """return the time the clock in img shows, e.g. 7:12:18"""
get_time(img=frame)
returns 1:21:28
